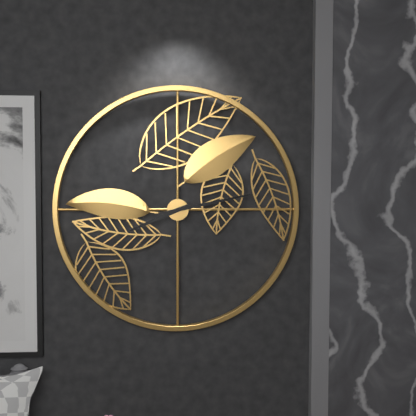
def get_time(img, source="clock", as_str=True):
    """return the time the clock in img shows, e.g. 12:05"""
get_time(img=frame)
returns 8:13
